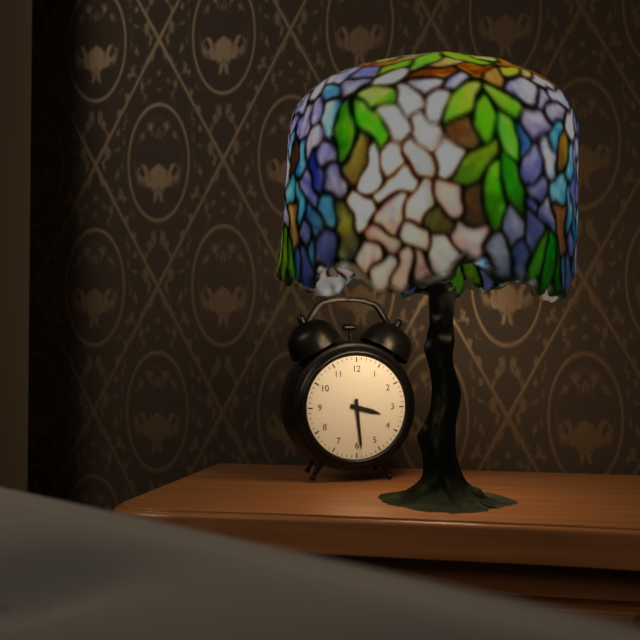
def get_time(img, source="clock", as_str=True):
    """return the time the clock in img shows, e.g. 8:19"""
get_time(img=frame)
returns 3:29
